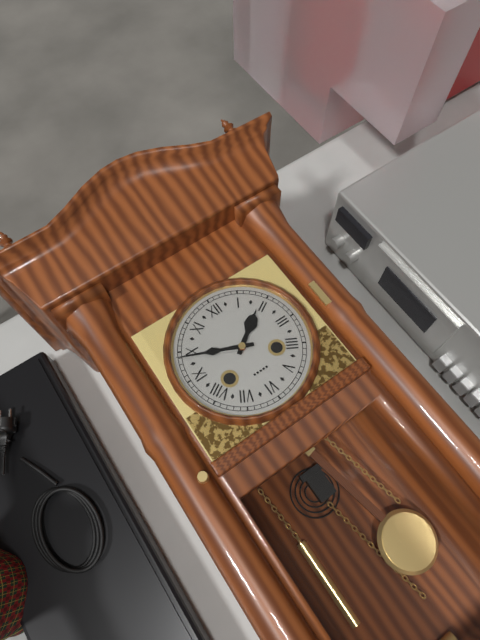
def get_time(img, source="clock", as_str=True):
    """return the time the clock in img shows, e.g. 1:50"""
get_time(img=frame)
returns 1:49
